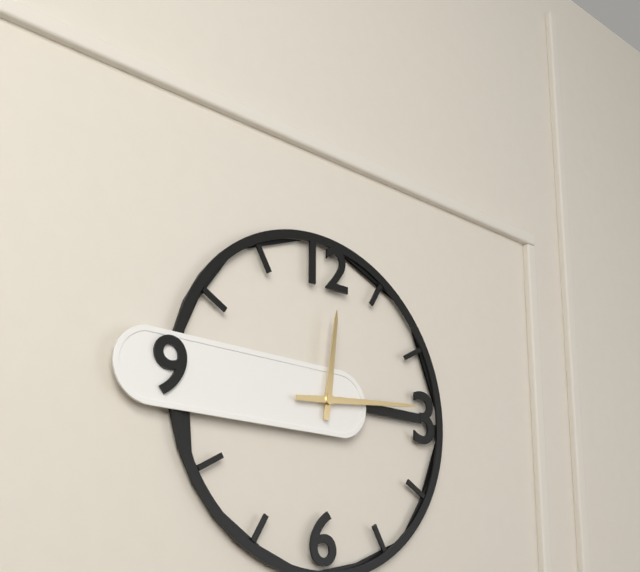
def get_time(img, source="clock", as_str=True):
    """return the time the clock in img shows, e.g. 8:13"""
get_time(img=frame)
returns 12:14
